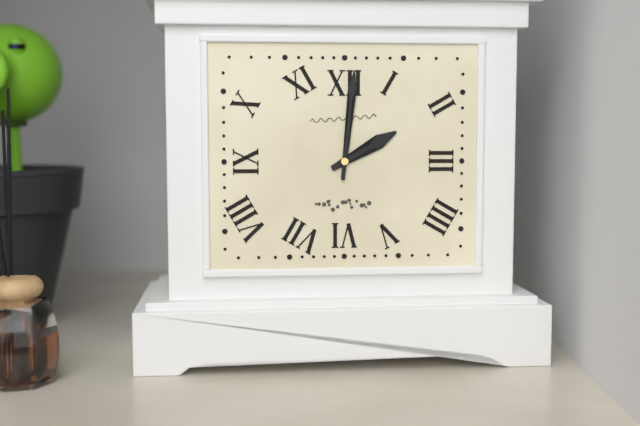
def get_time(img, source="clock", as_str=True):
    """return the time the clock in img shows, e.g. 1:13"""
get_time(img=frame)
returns 2:01
